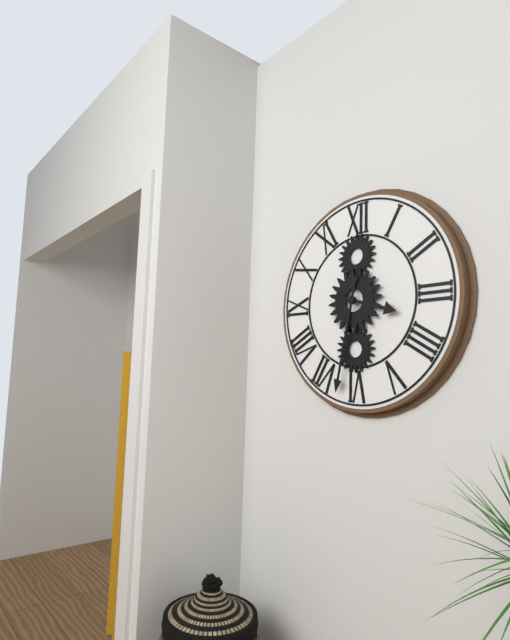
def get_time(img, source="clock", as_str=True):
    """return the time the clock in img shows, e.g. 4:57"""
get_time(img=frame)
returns 3:32
